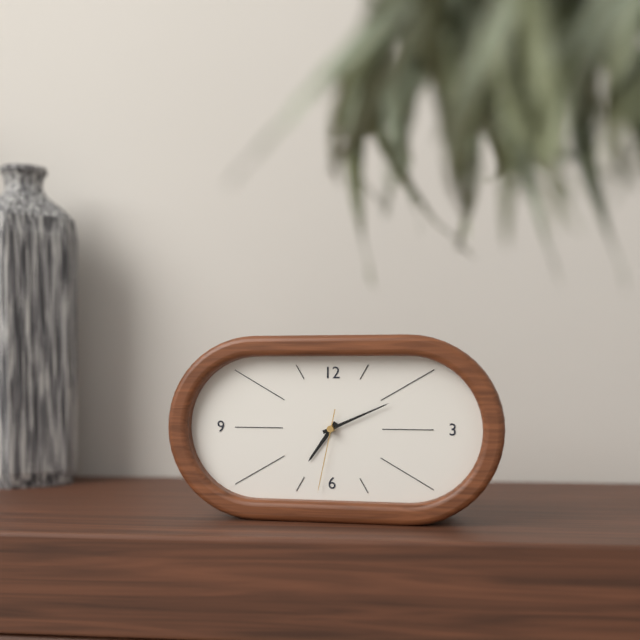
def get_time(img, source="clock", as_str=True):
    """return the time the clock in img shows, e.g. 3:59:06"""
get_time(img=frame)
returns 7:11:32
